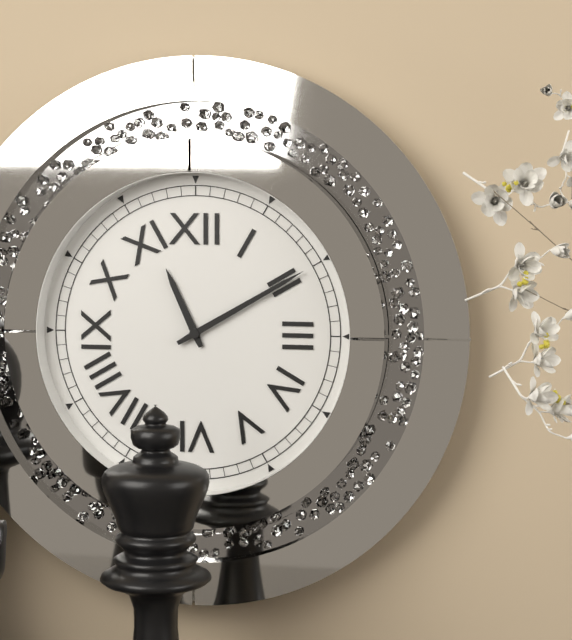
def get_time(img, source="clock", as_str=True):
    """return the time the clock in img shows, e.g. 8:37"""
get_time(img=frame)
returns 11:10
